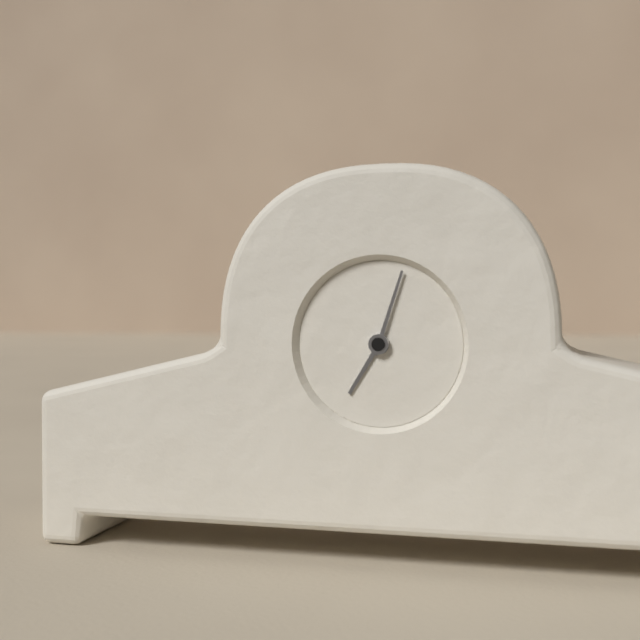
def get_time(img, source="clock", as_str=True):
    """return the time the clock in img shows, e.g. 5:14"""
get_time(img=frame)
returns 7:03
